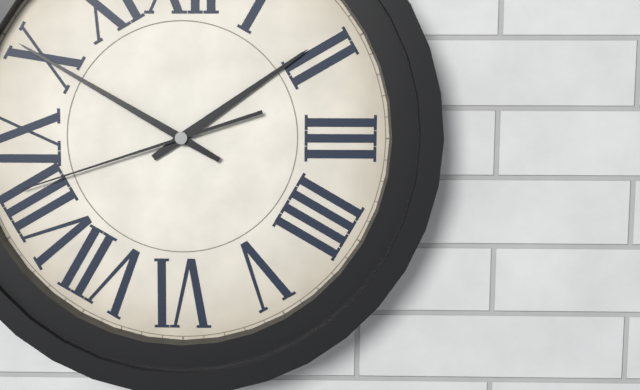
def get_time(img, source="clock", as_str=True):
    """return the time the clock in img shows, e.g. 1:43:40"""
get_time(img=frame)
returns 1:50:42
